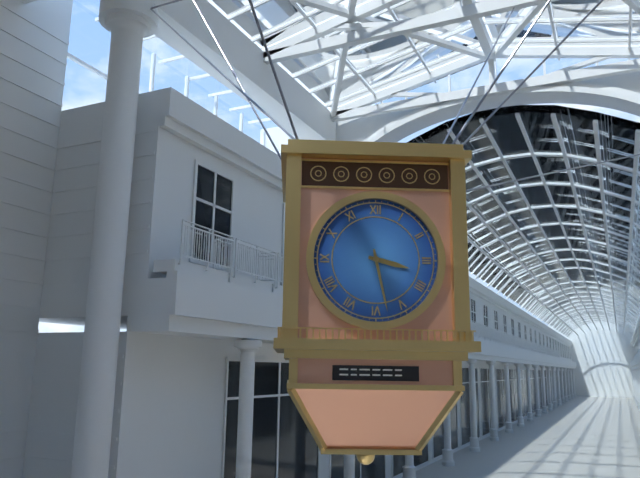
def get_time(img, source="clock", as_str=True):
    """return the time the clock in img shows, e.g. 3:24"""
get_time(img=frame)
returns 3:28
